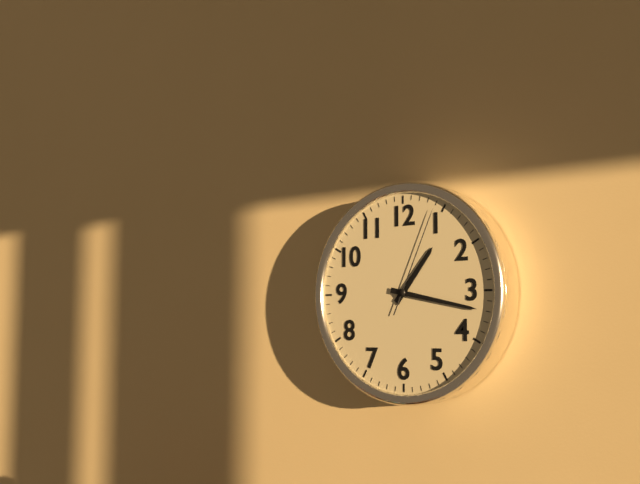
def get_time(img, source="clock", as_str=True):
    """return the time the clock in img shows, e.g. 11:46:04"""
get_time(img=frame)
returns 1:17:04
